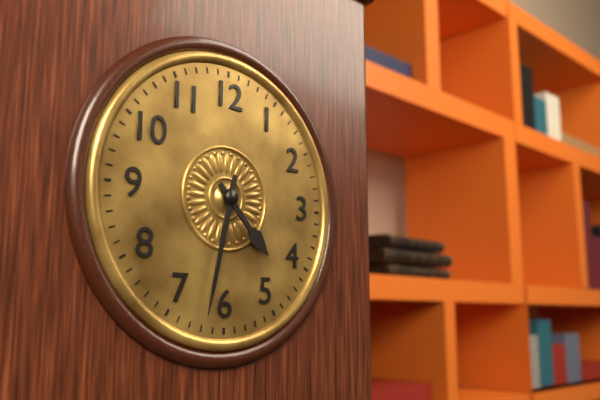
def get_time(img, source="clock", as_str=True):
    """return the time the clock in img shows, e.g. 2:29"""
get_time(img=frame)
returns 4:32
